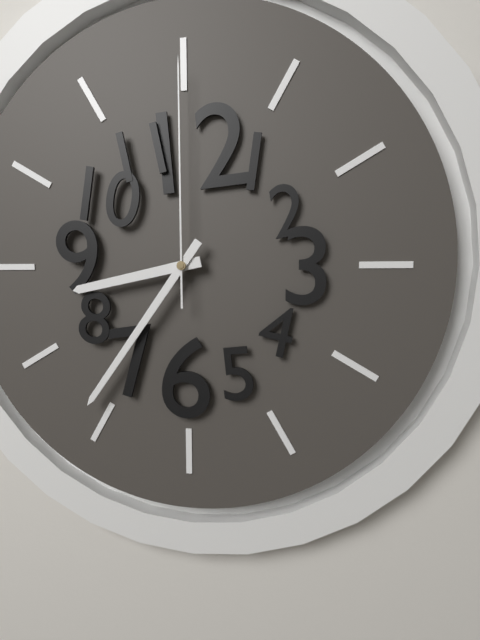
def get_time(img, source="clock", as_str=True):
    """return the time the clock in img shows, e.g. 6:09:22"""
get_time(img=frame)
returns 8:36:00
